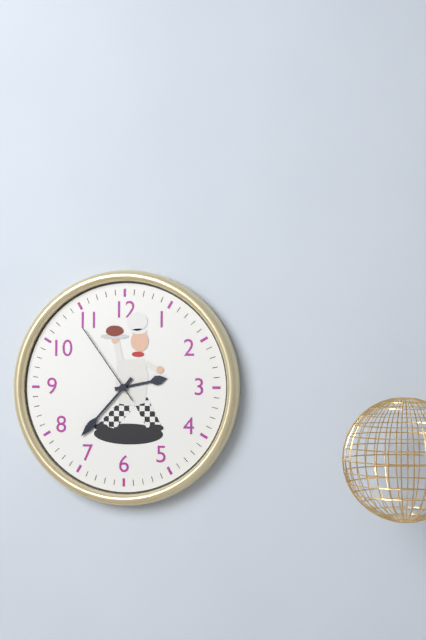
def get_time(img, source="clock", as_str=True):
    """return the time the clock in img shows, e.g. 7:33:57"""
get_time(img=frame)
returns 2:37:54
